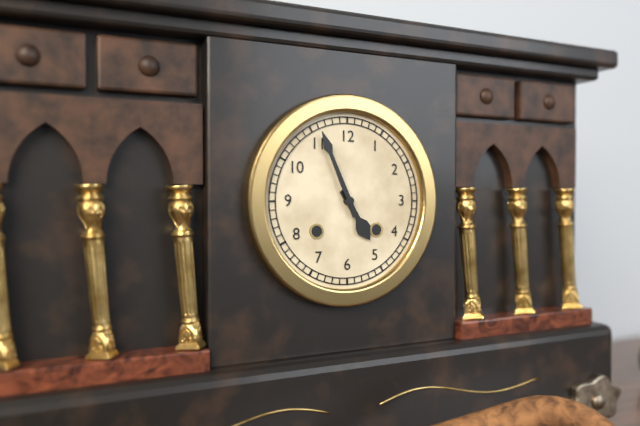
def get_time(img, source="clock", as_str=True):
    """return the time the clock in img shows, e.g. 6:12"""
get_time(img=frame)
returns 4:56
